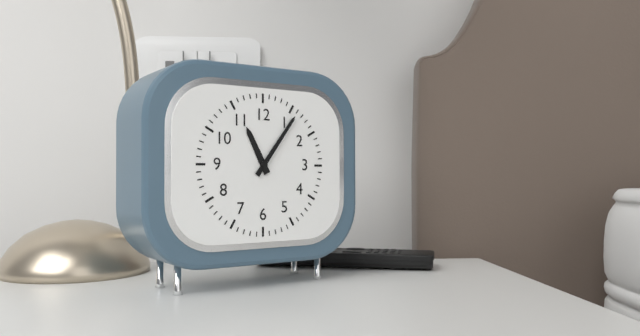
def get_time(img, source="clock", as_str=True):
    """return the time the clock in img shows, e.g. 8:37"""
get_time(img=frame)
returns 11:06
